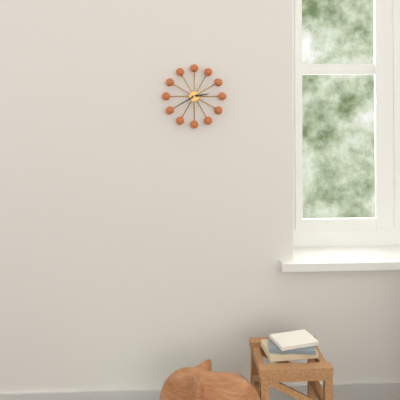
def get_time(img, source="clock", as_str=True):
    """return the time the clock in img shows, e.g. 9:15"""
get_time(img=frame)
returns 2:40
